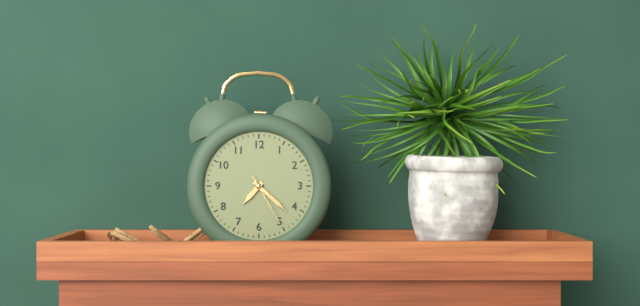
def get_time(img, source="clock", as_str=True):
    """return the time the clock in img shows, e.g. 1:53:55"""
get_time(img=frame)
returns 7:22:25
